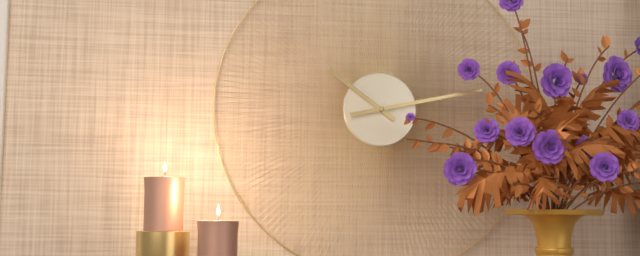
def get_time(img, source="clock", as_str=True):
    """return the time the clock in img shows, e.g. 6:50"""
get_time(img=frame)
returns 10:13
